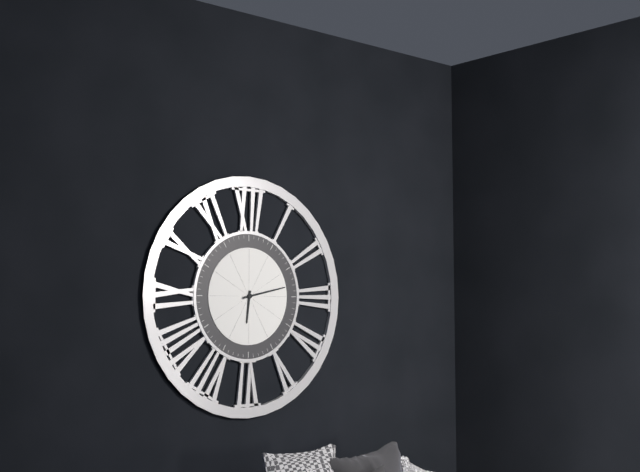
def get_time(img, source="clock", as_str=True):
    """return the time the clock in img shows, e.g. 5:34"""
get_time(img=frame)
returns 6:13
